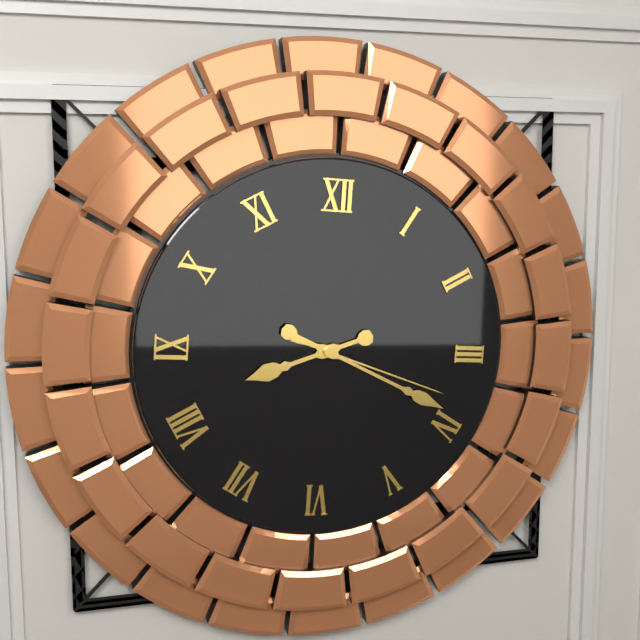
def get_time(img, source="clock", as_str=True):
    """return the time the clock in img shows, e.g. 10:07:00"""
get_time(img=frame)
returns 8:19:18
